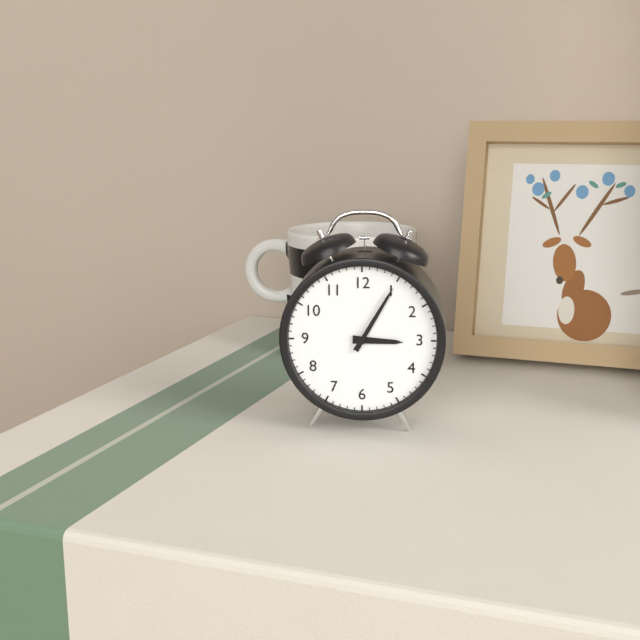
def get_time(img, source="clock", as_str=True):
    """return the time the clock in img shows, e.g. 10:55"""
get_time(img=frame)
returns 3:05
